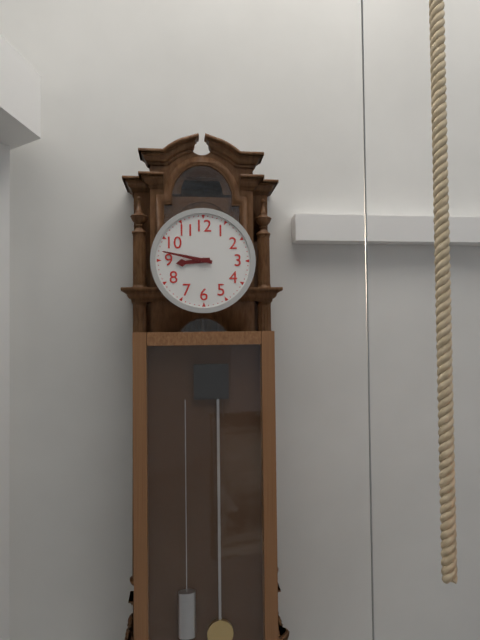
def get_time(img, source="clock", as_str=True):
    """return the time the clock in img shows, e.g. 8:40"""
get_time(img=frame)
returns 8:47
